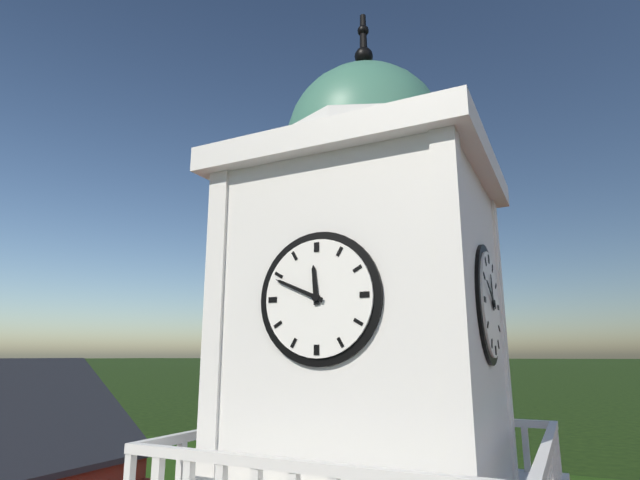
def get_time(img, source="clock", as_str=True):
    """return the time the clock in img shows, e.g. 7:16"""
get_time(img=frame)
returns 11:49
